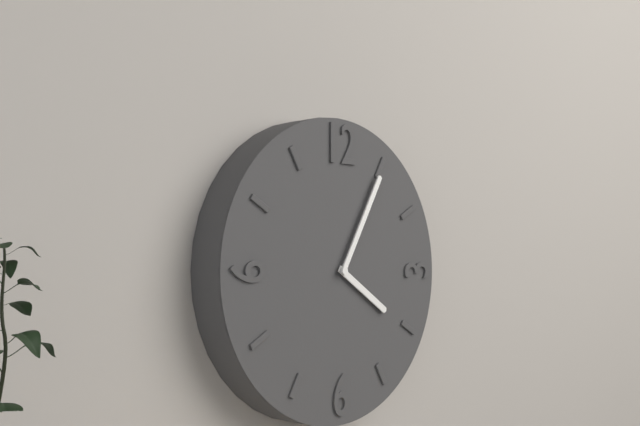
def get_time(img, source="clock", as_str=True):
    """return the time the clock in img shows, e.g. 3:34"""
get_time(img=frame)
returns 4:05
